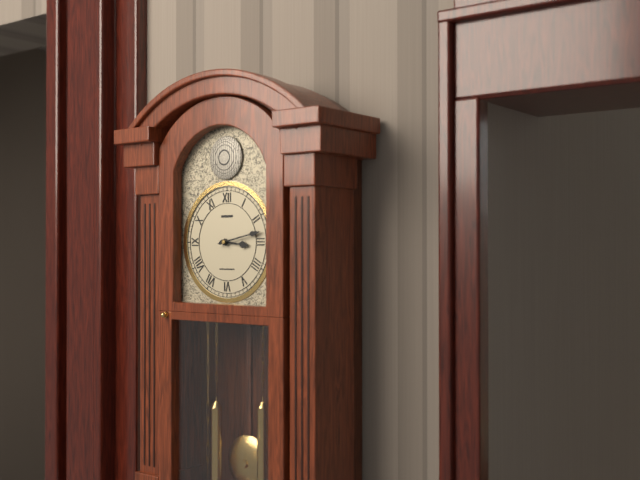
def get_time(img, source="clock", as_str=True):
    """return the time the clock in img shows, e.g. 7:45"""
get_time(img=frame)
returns 3:13
